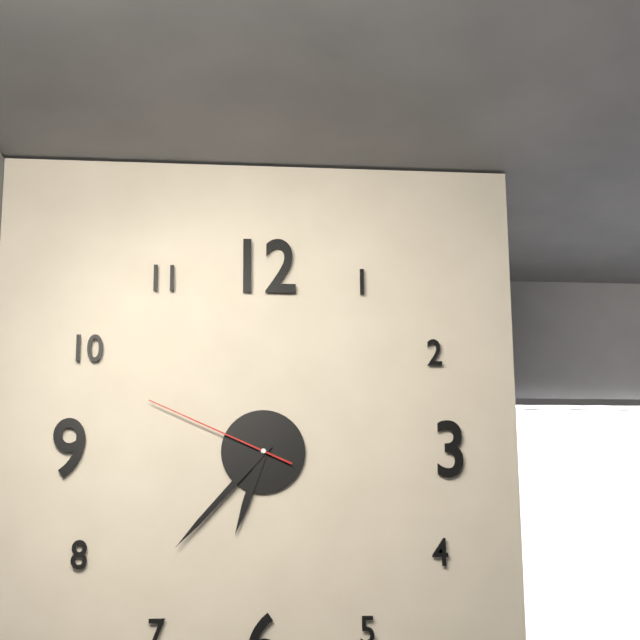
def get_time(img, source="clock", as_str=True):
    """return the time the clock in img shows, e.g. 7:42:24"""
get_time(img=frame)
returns 6:37:49
